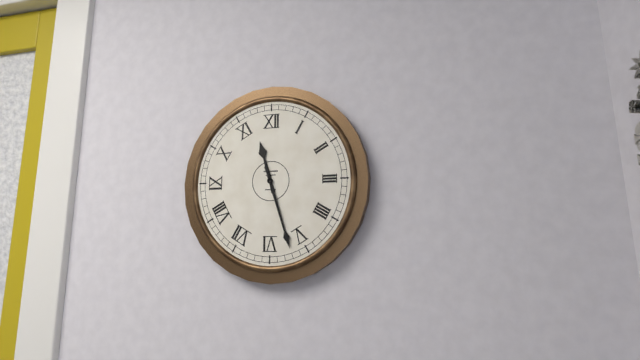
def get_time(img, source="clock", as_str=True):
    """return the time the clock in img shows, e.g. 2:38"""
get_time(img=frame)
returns 11:27
